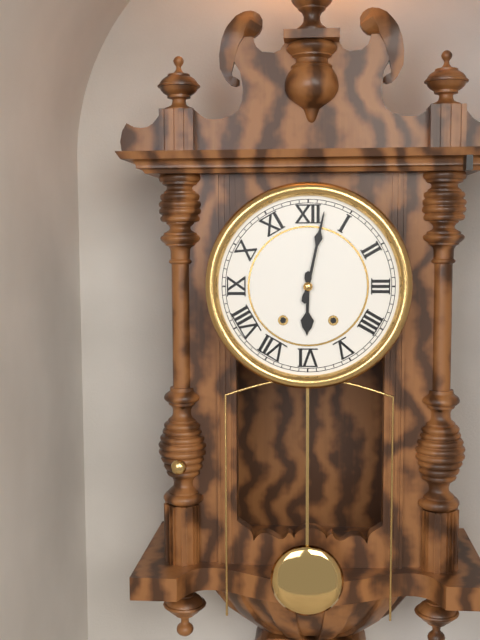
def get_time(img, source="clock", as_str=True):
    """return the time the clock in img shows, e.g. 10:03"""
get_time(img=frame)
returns 6:02
